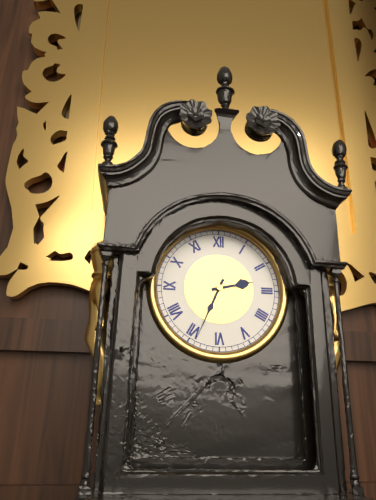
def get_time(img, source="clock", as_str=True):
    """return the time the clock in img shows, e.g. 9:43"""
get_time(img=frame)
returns 2:34
